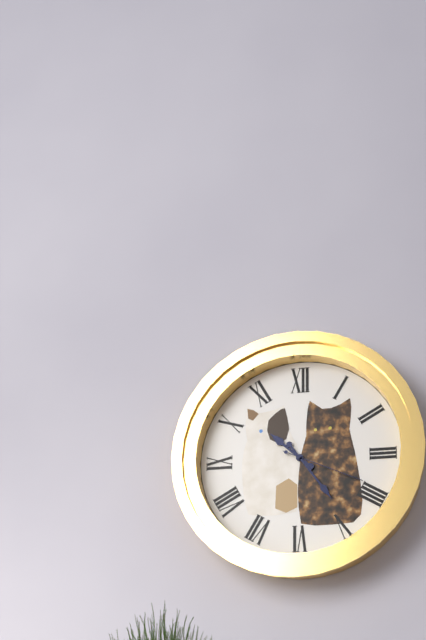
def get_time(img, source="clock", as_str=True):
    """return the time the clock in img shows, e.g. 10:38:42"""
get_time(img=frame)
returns 10:24:19
